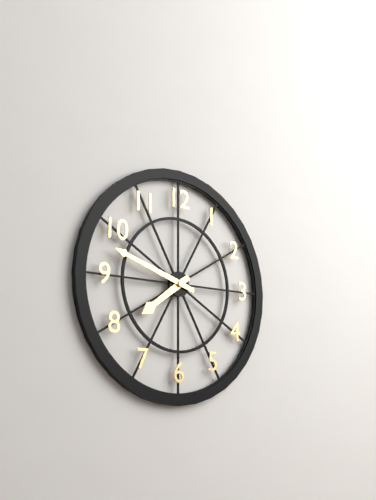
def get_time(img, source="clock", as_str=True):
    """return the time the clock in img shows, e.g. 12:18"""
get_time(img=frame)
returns 7:48
